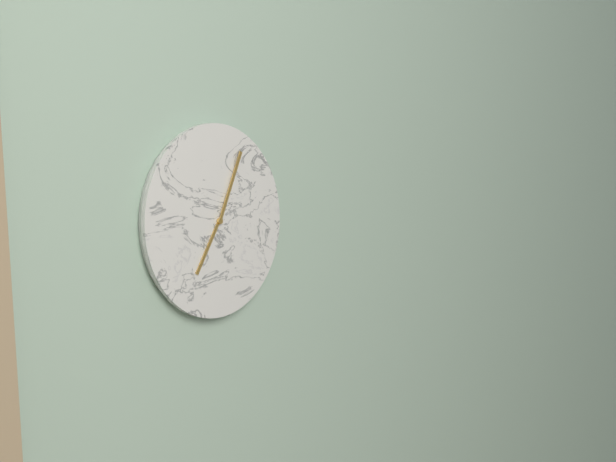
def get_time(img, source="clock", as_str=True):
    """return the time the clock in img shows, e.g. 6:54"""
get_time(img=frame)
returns 7:04
